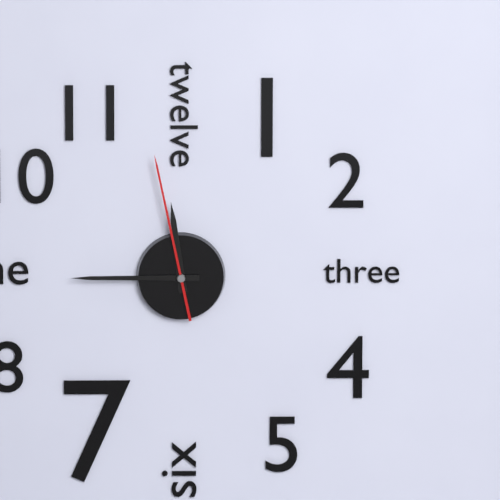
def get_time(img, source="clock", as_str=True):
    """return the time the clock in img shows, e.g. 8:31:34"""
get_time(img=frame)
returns 11:45:58
